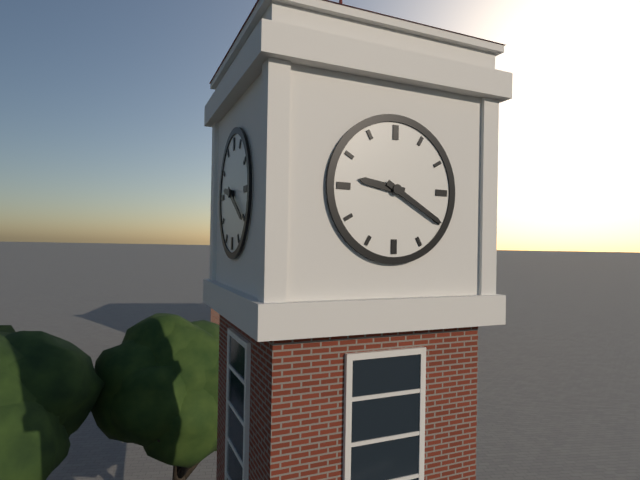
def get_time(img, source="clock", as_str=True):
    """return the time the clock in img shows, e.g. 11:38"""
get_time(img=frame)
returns 9:20
